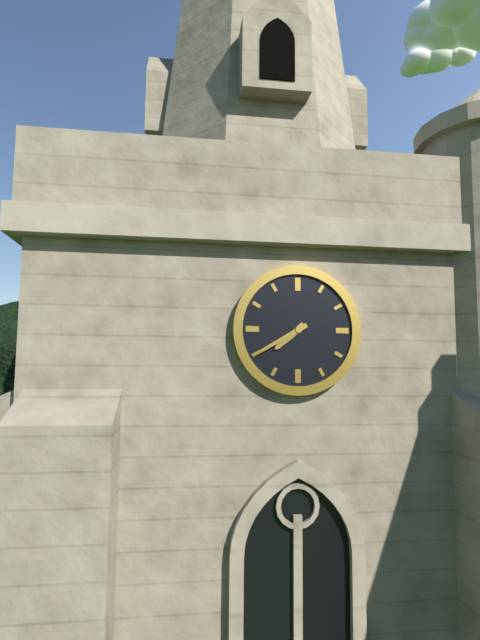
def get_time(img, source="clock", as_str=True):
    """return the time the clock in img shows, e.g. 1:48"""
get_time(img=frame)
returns 7:40
